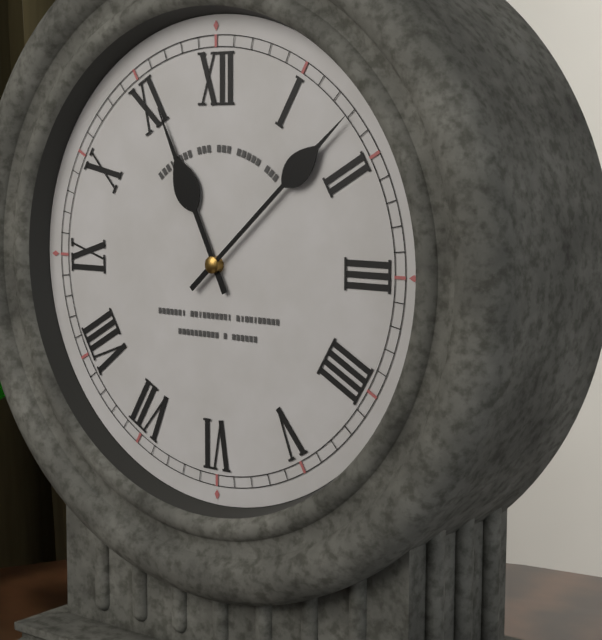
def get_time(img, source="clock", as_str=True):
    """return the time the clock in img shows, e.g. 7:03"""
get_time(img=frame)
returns 11:08
